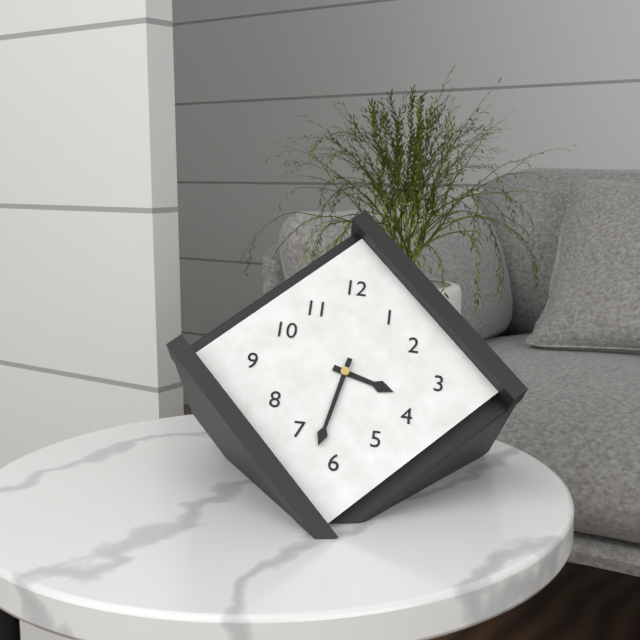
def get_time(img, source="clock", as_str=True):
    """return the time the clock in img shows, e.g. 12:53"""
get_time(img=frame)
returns 3:32
